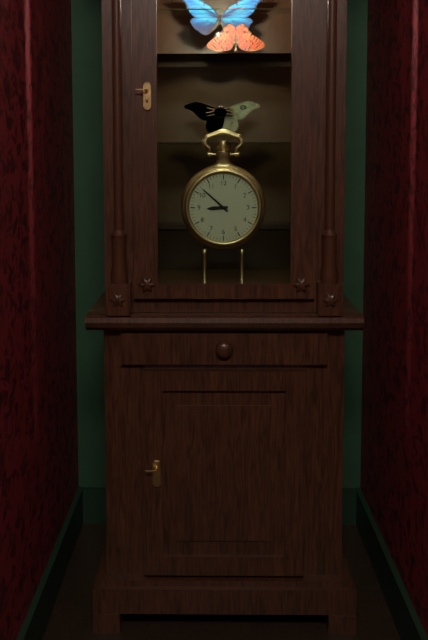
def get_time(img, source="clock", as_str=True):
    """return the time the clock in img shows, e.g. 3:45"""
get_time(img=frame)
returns 8:52
